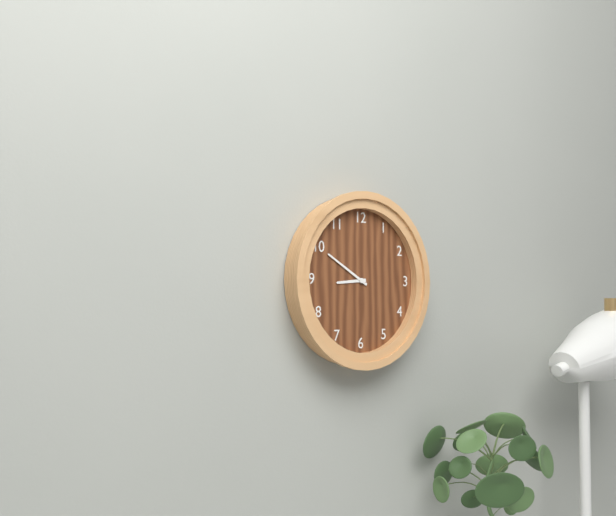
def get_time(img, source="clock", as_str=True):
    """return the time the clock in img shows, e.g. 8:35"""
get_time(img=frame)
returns 8:50
